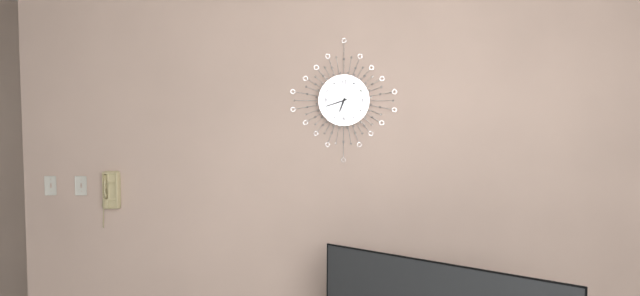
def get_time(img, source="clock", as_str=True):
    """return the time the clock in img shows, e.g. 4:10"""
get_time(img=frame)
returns 6:42
